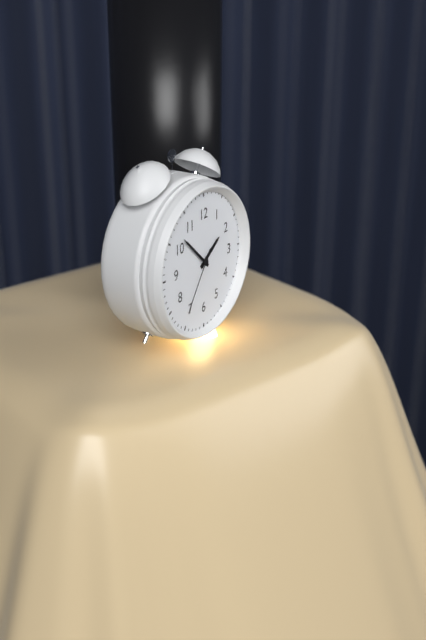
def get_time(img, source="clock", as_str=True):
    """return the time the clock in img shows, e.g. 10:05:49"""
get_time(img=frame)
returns 1:52:36
